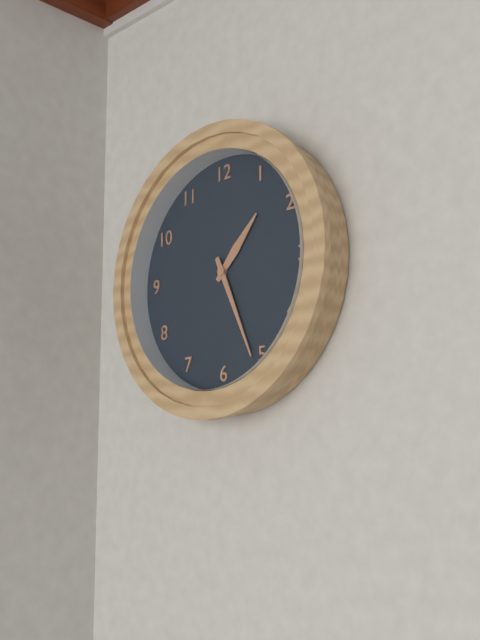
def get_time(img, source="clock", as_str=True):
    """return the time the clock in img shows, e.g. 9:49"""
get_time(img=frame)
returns 1:26
